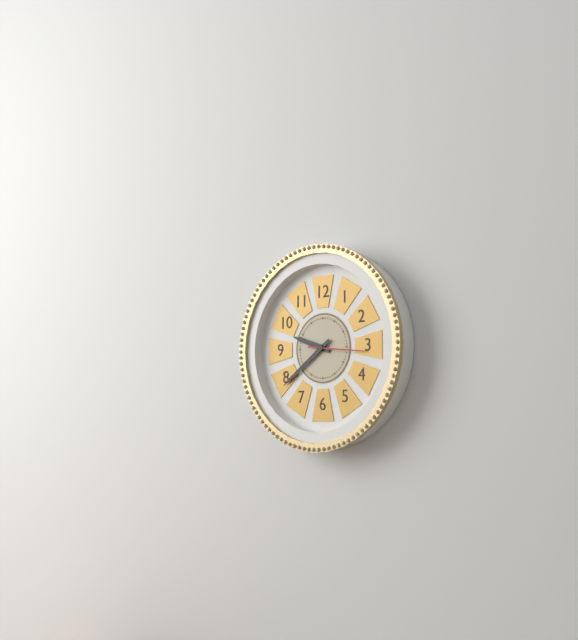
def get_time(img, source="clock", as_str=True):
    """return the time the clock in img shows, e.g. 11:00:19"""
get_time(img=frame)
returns 9:39:16
